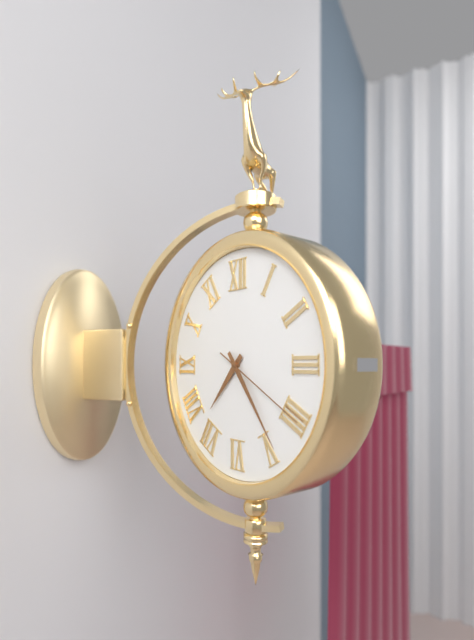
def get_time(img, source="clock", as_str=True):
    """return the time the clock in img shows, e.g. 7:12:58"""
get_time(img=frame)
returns 7:24:20
